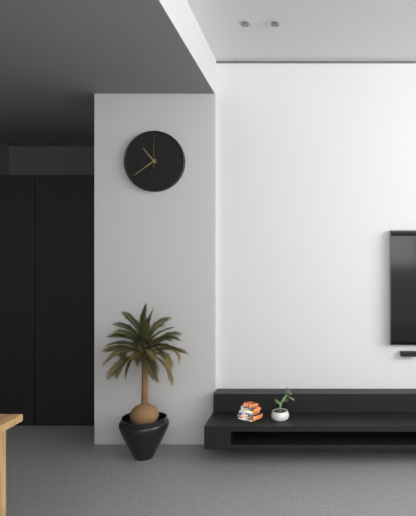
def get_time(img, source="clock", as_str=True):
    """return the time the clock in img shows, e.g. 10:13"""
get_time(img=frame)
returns 10:39
